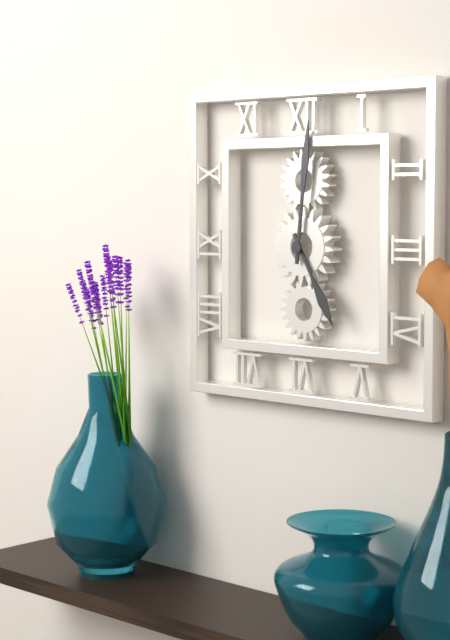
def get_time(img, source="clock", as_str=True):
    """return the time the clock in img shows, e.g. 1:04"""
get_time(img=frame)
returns 5:01
